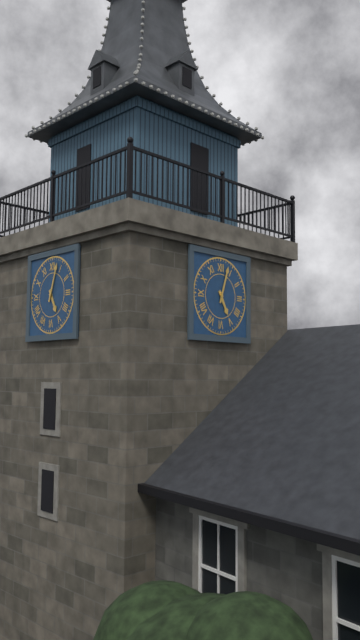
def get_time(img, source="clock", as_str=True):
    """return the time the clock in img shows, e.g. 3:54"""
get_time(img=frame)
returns 5:03
